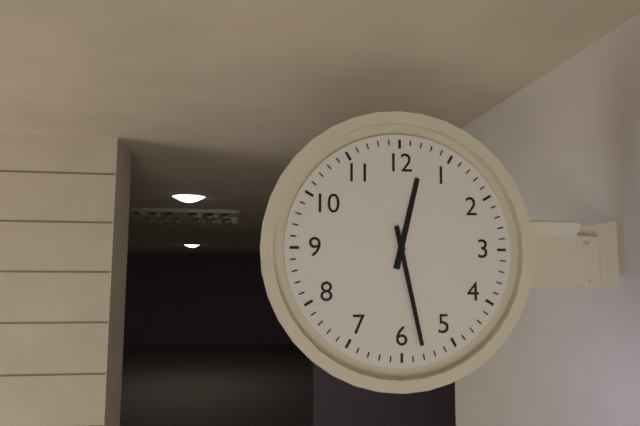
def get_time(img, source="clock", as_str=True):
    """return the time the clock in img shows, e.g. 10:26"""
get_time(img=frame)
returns 12:28
